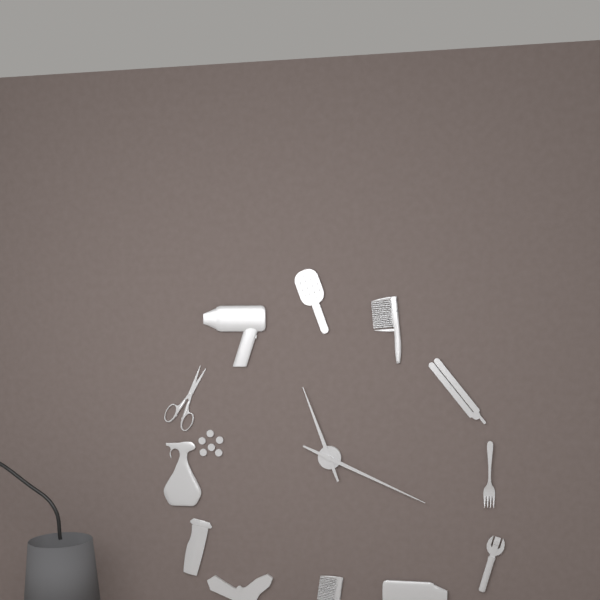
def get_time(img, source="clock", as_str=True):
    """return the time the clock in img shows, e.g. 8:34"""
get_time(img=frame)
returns 11:19
